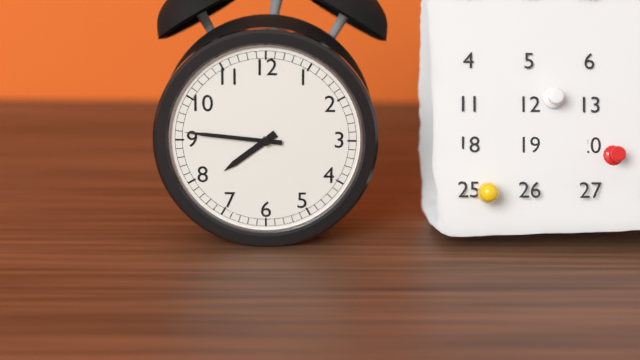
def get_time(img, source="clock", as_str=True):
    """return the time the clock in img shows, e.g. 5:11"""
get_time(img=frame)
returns 7:46
